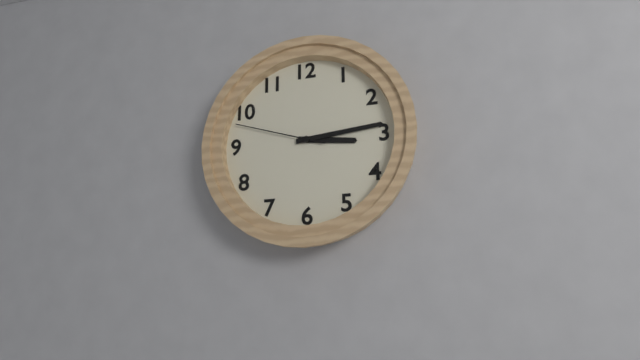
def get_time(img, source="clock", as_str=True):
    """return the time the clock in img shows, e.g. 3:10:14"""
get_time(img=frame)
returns 3:14:48
